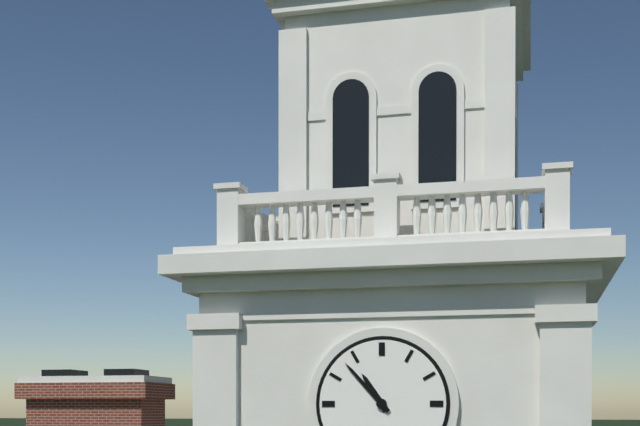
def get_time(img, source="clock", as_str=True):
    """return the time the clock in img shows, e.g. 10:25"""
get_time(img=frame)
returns 10:53
